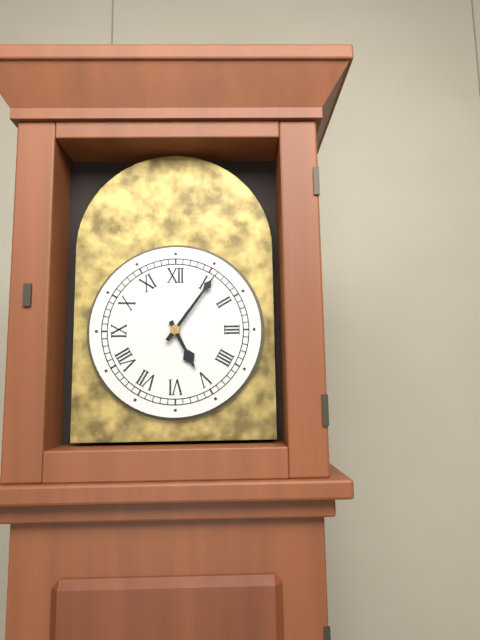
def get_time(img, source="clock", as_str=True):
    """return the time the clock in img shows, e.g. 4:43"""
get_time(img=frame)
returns 5:06
